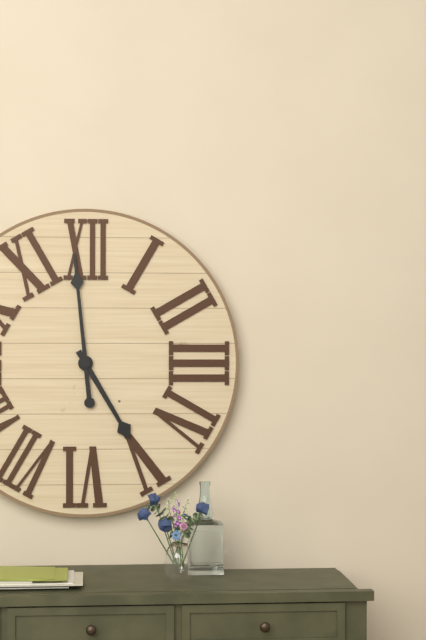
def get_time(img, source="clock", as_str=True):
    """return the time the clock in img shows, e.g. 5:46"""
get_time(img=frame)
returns 4:59
